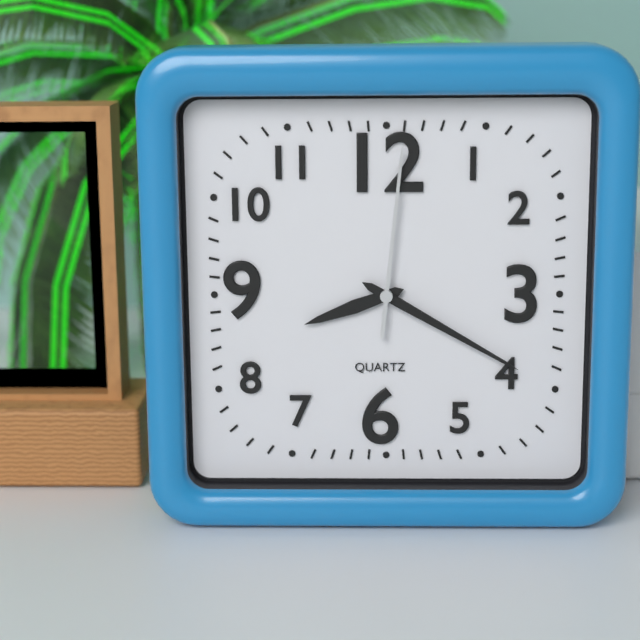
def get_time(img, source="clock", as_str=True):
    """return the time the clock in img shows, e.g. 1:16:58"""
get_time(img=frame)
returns 8:20:01
